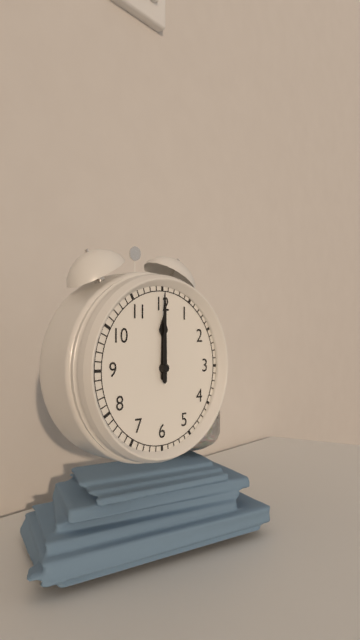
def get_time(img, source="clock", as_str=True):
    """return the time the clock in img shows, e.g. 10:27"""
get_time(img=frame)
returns 12:00
